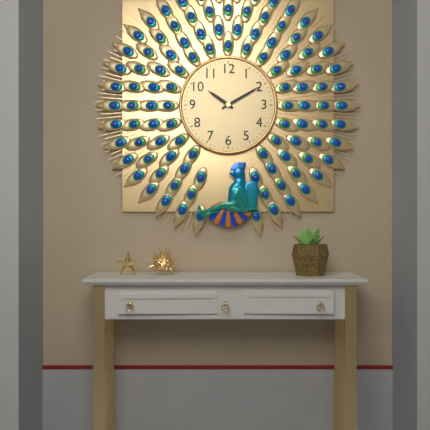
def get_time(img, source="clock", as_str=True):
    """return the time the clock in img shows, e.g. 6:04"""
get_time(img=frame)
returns 10:10
